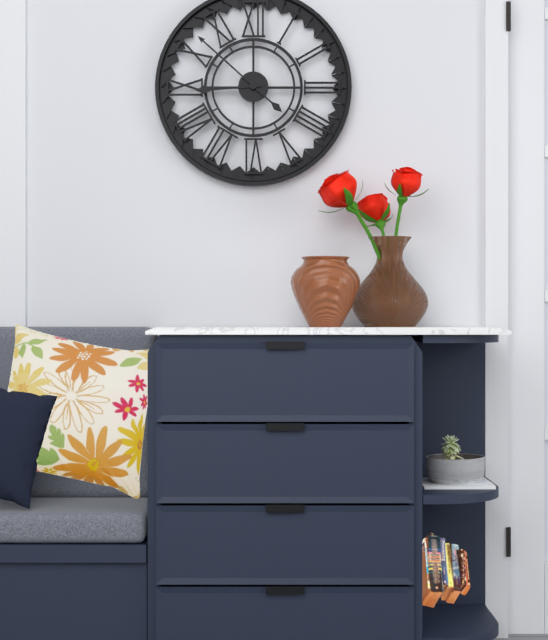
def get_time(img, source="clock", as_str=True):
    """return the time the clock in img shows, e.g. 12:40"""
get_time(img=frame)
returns 8:52
